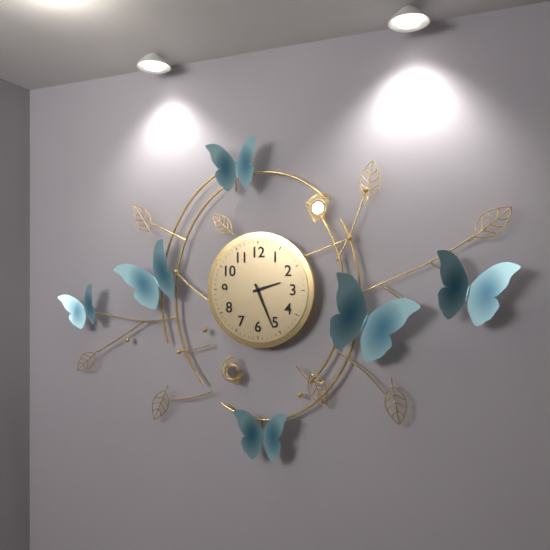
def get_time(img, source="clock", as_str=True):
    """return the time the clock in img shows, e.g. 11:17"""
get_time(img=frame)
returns 2:26
